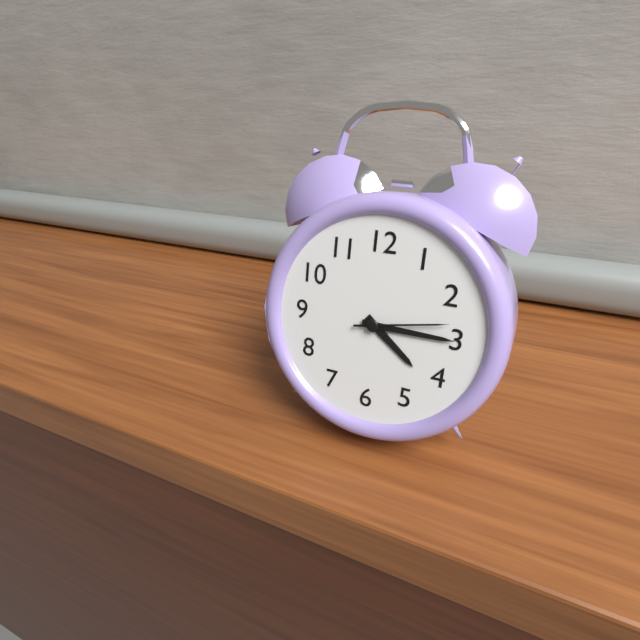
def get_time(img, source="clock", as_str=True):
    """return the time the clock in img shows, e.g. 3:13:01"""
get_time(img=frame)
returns 4:15:13
